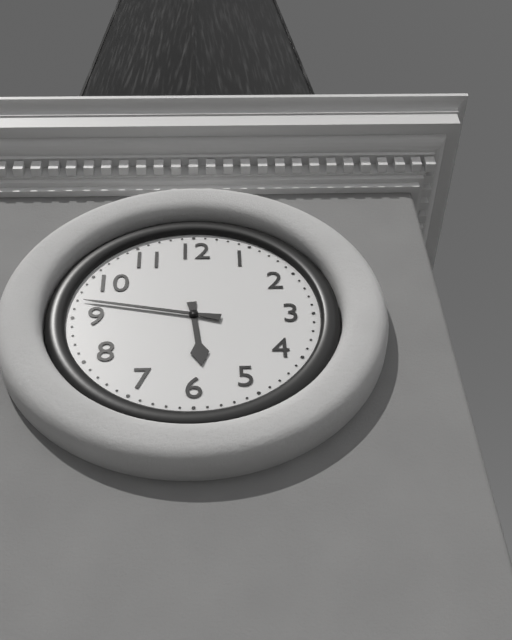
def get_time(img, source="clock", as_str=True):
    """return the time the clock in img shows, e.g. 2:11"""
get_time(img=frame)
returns 5:47
